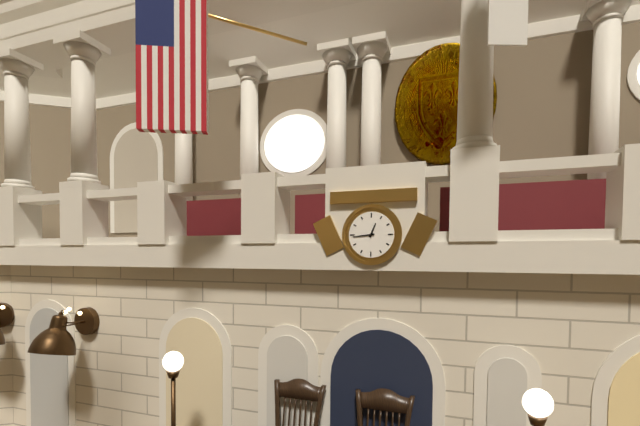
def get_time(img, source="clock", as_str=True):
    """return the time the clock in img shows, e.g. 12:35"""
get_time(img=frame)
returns 12:44
